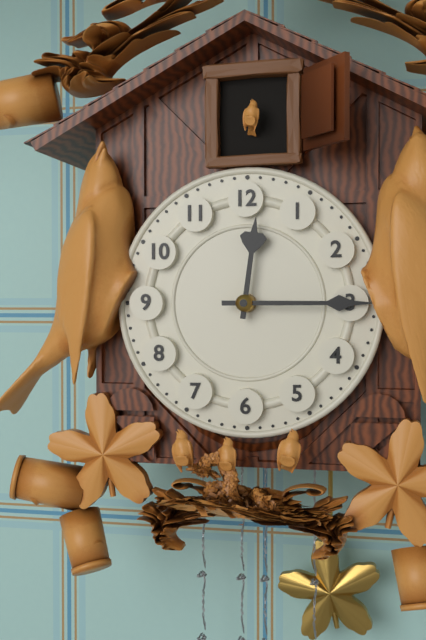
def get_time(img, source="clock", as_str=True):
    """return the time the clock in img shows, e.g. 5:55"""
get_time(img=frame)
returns 12:15
